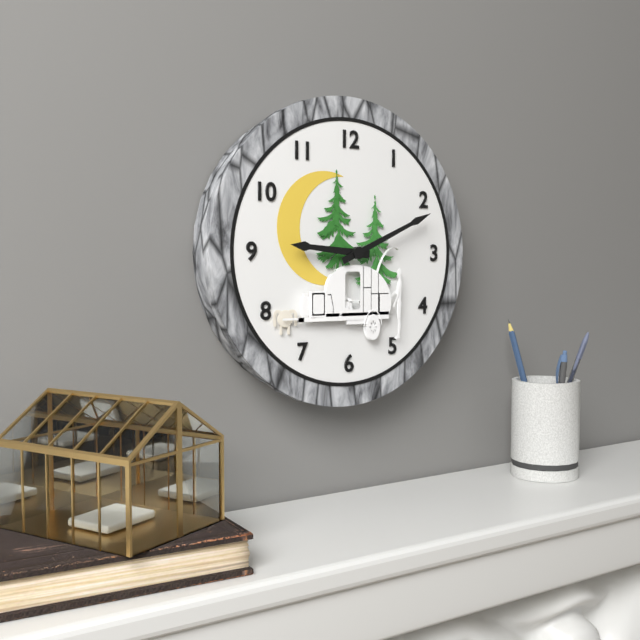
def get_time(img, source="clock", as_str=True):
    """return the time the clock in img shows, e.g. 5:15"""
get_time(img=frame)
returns 9:11
